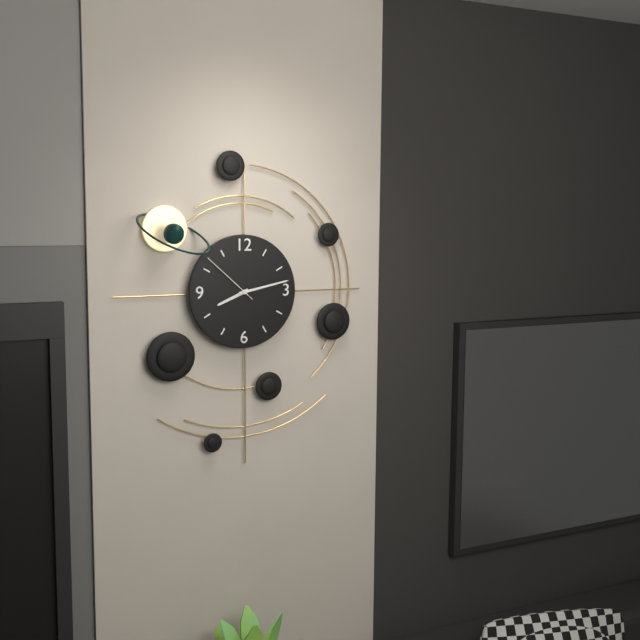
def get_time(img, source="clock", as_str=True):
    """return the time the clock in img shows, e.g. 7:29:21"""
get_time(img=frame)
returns 8:13:52
